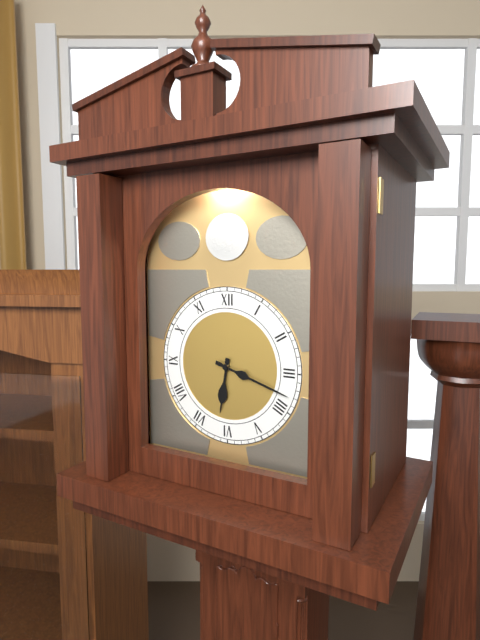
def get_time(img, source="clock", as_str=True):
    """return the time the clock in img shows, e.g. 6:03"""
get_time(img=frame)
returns 6:18
